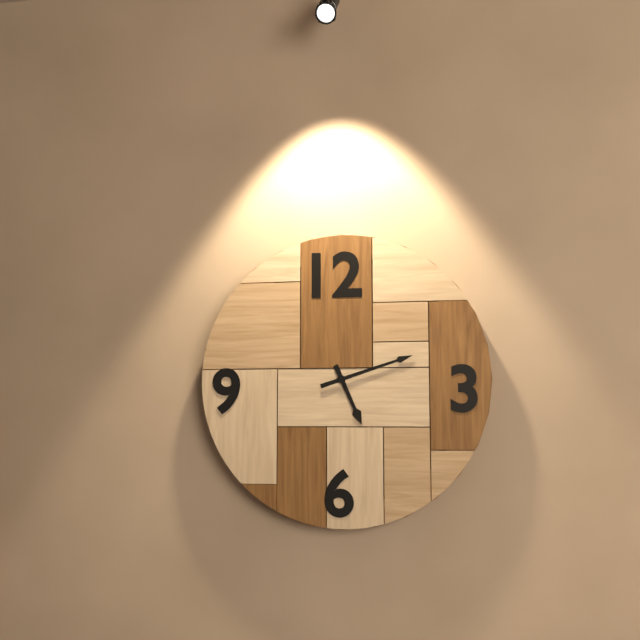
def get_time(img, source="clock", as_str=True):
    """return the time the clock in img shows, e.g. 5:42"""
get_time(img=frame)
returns 5:12
